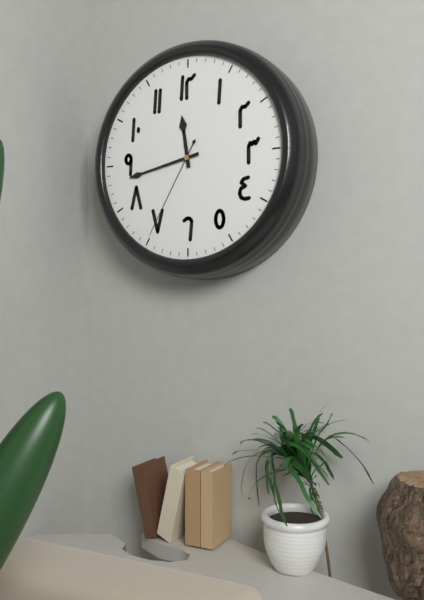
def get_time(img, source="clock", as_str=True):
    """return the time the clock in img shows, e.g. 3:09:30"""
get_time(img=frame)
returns 11:43:35
